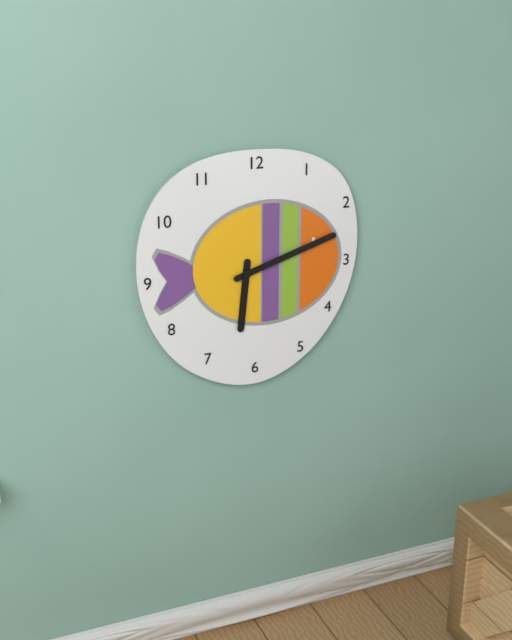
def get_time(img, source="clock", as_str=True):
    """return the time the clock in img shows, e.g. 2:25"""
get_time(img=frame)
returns 6:12
